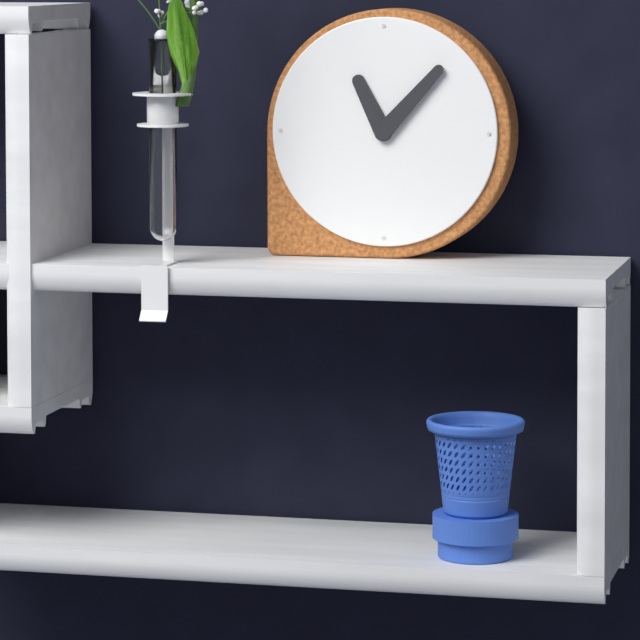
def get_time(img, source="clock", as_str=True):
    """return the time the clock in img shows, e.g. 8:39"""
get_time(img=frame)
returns 11:07
